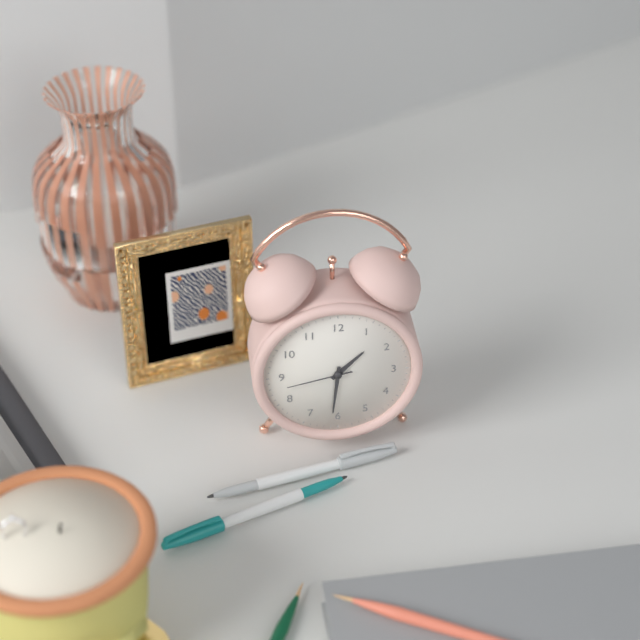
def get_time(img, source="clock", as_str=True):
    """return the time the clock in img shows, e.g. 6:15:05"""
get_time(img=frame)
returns 1:31:43
